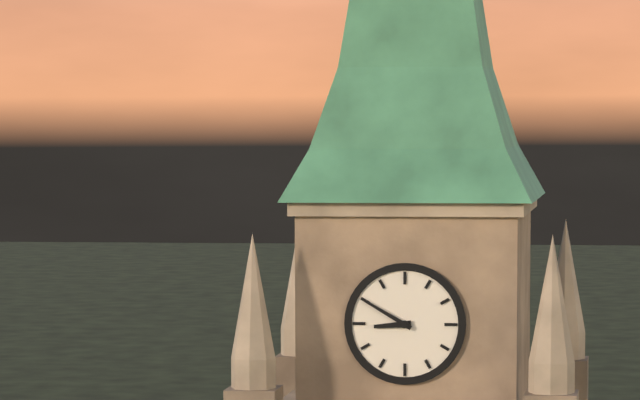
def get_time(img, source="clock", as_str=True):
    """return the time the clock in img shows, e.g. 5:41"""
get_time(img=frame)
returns 8:50
